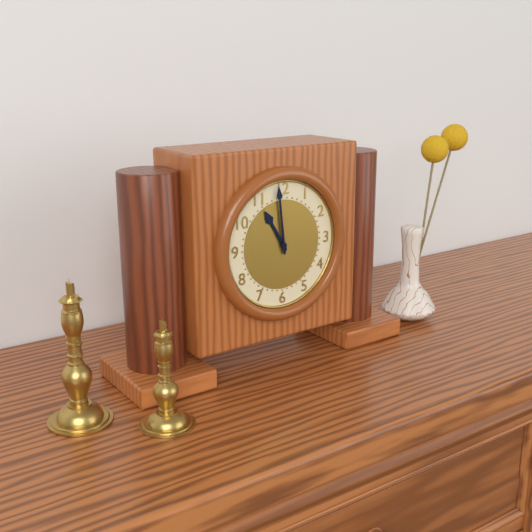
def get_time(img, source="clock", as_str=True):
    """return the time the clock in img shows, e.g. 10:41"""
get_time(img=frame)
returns 10:59
